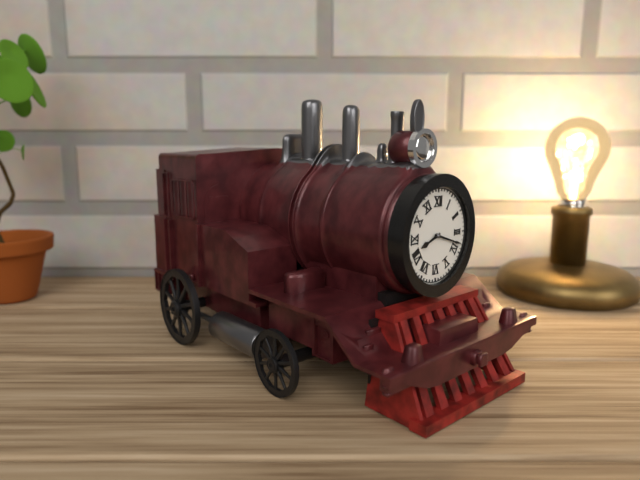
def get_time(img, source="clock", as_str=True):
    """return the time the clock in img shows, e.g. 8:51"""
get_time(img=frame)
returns 8:18
